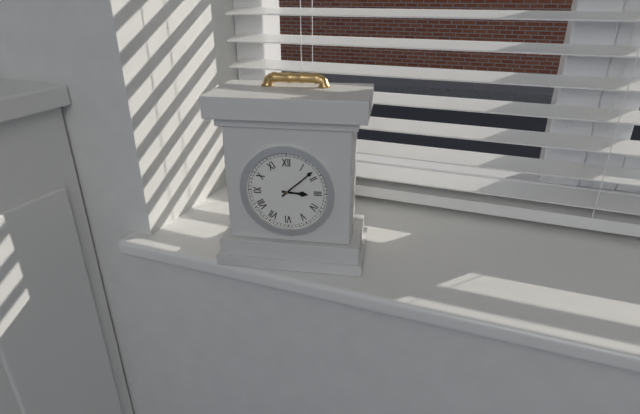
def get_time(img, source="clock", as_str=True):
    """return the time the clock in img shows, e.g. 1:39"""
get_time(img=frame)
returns 3:08
